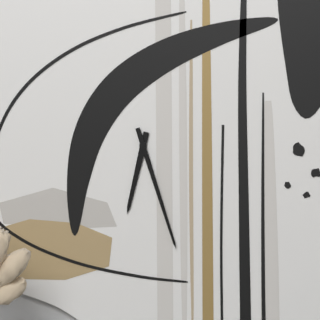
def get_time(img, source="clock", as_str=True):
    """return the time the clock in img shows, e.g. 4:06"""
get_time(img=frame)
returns 6:27
